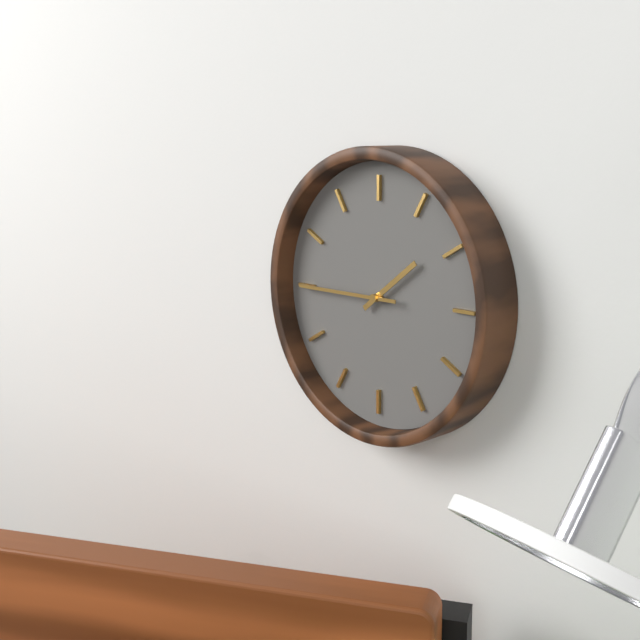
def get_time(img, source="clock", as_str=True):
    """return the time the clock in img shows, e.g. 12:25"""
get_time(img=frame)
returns 1:45
